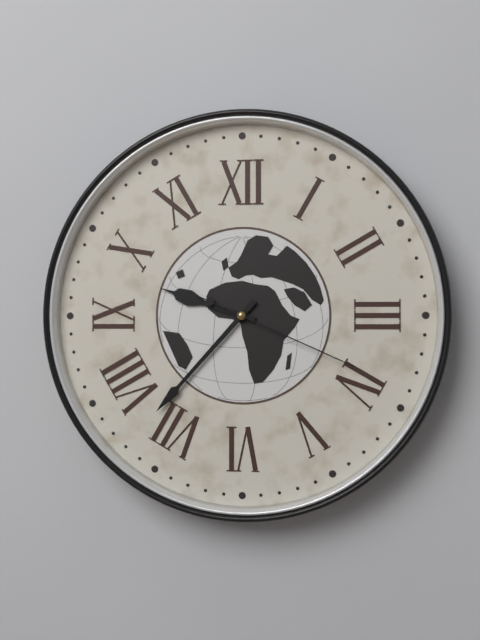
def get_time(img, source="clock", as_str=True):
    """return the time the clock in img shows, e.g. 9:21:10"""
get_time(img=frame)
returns 9:37:19
